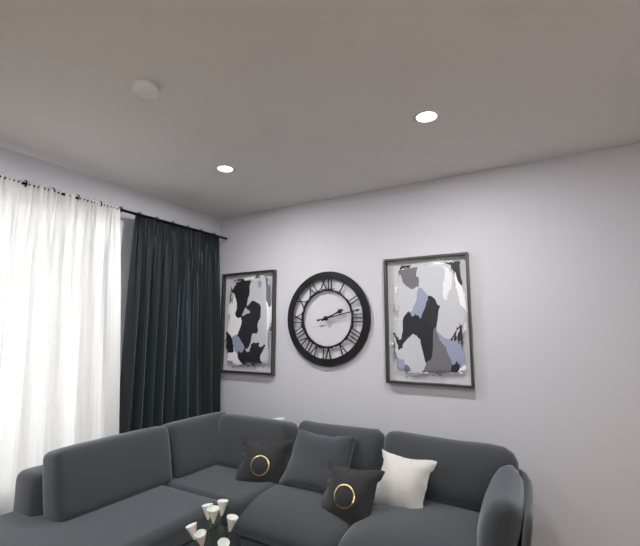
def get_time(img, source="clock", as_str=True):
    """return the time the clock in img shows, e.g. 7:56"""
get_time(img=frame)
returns 2:13
